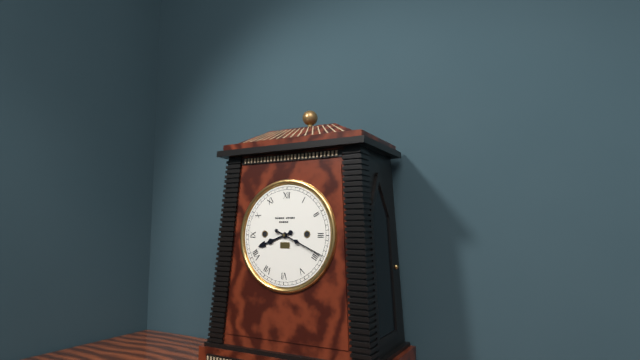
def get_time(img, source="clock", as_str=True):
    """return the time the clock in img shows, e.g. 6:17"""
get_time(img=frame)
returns 8:19
